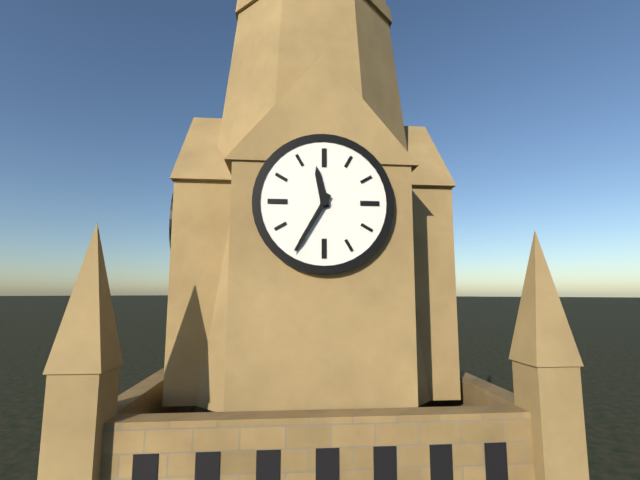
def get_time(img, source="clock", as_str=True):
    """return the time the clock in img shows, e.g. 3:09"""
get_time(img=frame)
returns 11:35
